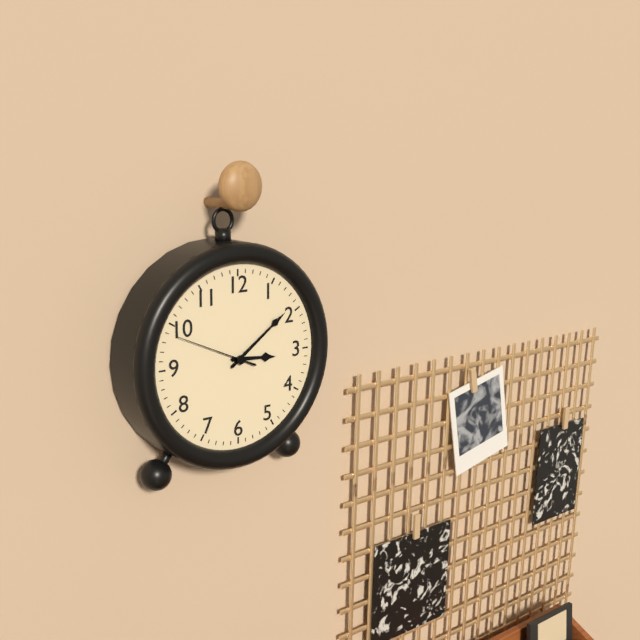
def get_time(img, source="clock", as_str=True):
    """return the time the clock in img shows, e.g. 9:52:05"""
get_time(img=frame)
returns 3:09:49
